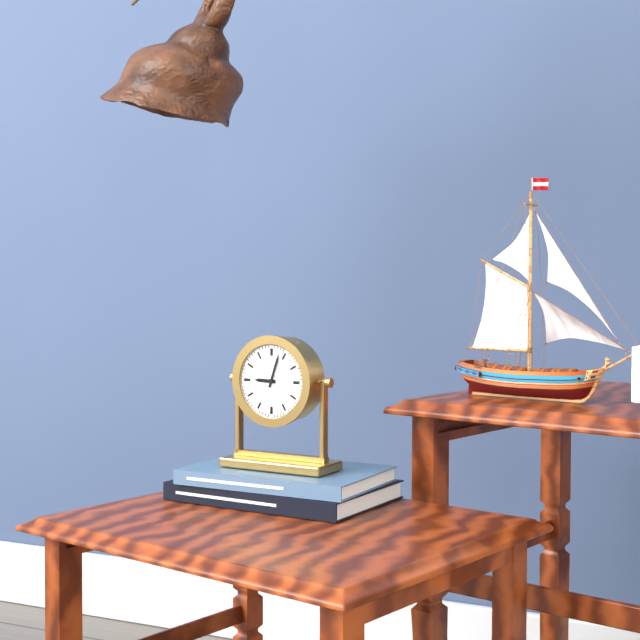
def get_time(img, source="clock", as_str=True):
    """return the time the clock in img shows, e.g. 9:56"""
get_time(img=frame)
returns 9:03
